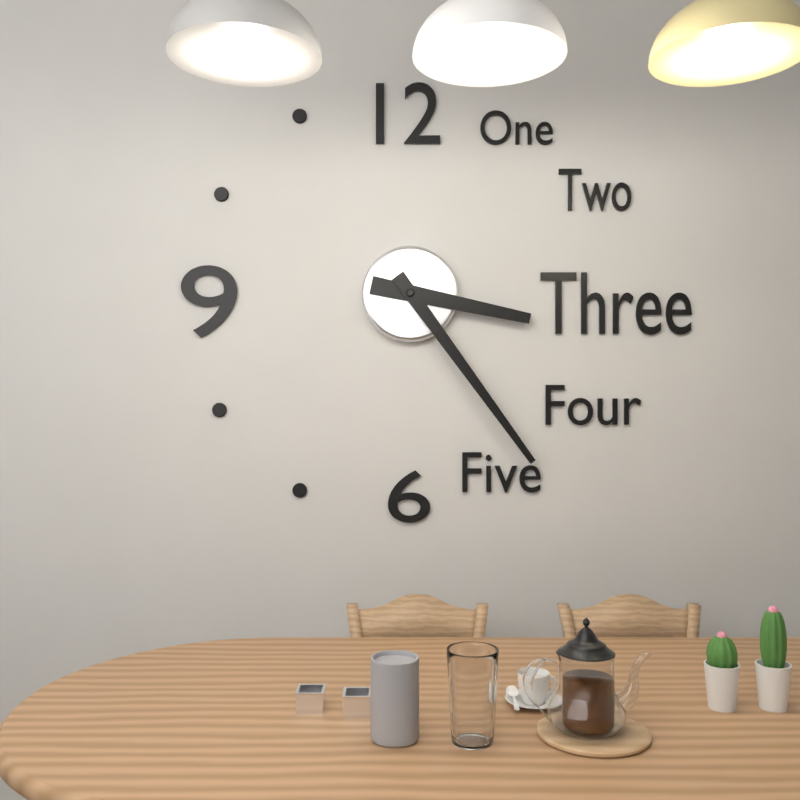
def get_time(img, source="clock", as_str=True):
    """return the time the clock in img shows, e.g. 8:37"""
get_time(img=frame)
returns 3:24
